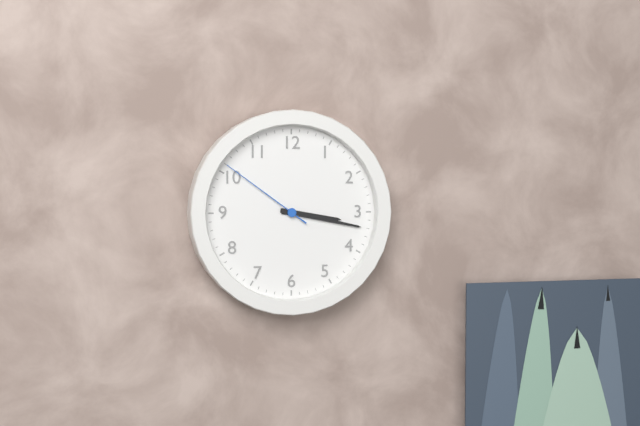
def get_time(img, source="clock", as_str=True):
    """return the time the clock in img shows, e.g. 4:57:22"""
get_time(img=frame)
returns 3:17:51
